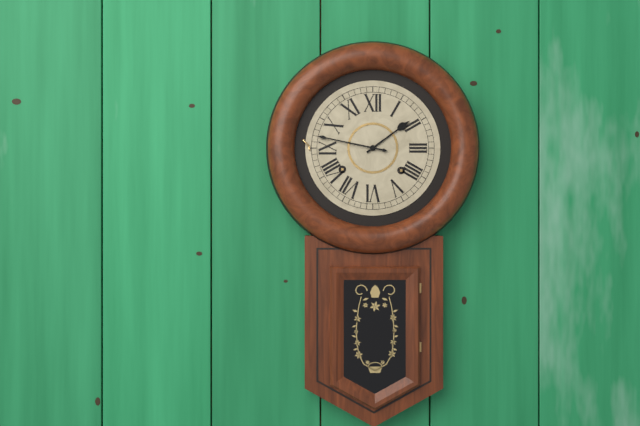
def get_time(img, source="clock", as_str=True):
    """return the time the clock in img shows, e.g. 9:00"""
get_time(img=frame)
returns 1:47
